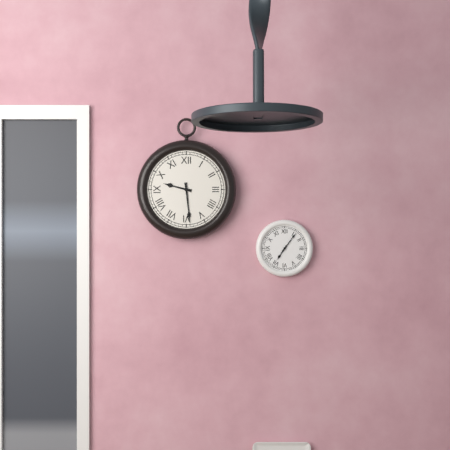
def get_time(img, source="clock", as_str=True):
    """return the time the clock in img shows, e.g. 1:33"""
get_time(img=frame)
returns 9:29
